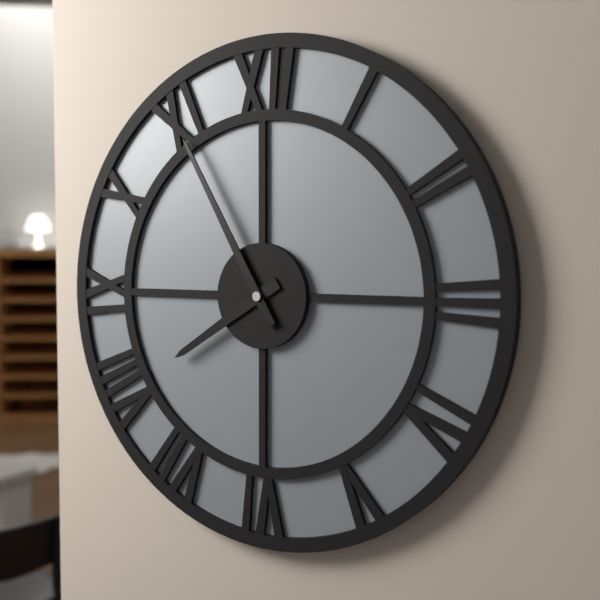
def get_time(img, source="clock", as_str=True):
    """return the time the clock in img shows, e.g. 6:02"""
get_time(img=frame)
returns 7:55
